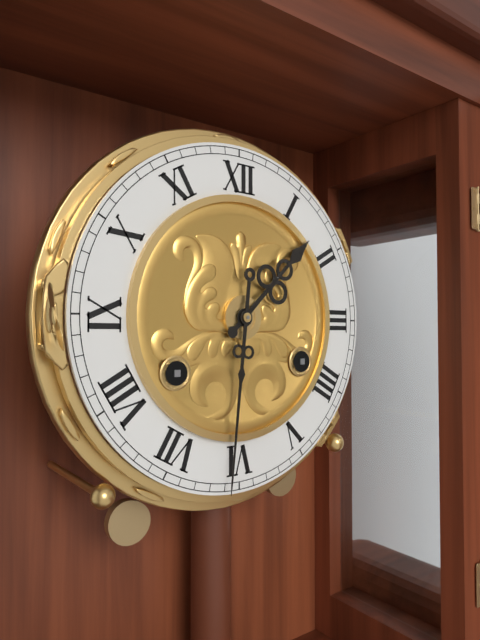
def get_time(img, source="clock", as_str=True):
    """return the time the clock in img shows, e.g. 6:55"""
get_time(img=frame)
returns 1:31
